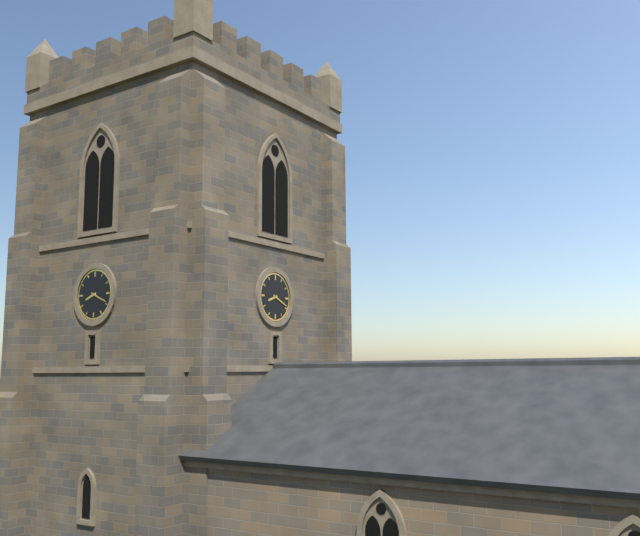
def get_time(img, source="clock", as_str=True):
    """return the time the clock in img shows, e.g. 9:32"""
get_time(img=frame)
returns 8:19
